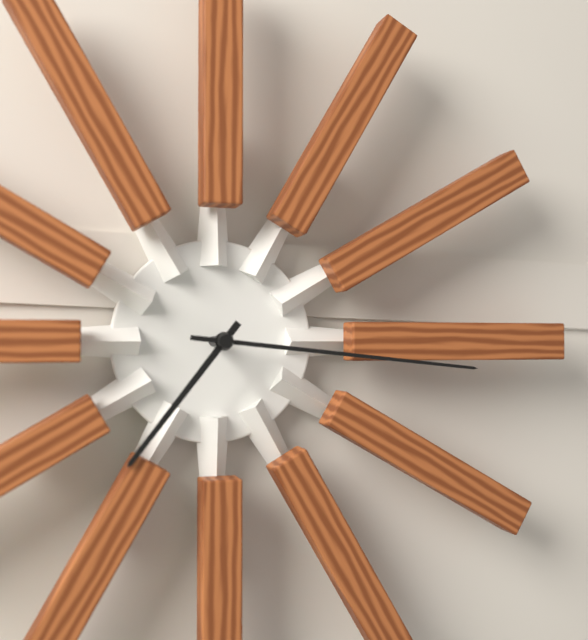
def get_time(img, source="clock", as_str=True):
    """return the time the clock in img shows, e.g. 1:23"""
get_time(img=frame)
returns 7:16
